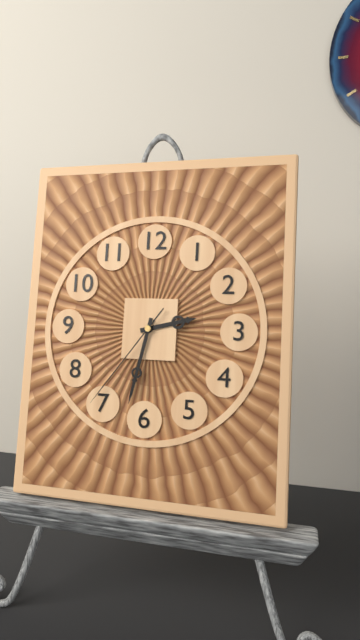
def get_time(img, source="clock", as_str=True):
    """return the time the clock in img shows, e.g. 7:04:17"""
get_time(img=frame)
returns 2:32:36
